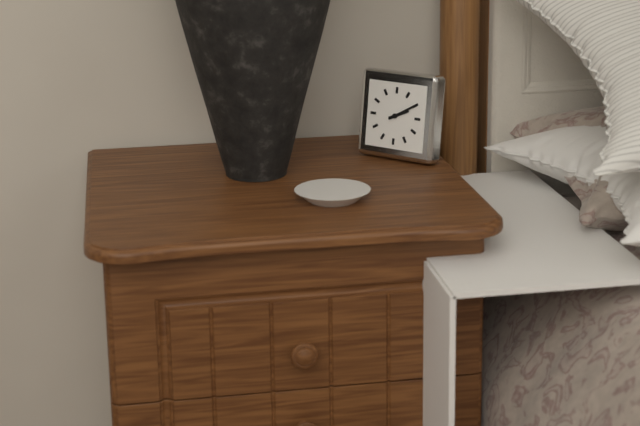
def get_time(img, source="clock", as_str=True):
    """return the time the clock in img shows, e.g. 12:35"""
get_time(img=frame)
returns 2:10
